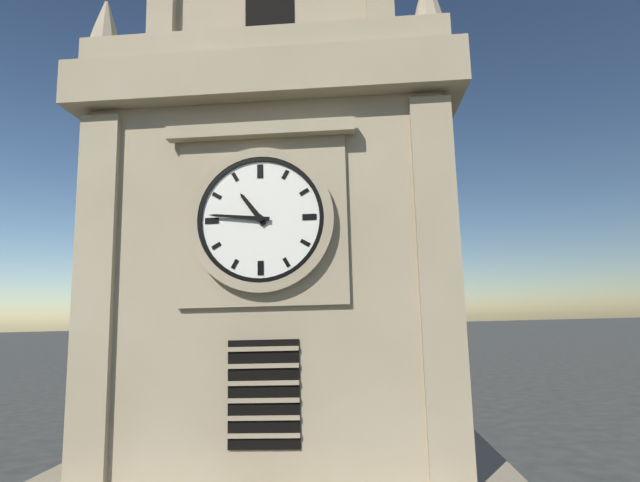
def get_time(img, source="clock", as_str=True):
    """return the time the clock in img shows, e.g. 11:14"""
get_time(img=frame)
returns 10:46
